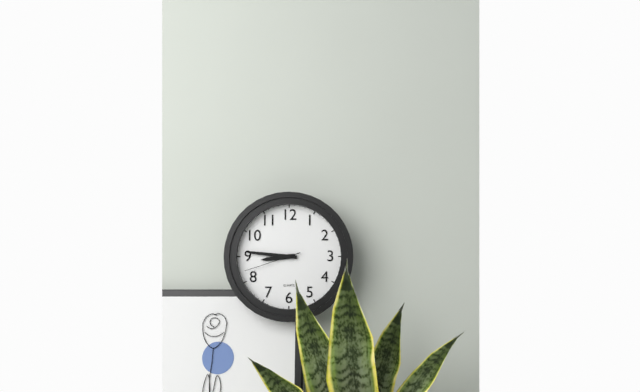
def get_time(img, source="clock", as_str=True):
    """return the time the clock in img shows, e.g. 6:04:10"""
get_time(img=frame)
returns 8:46:42
